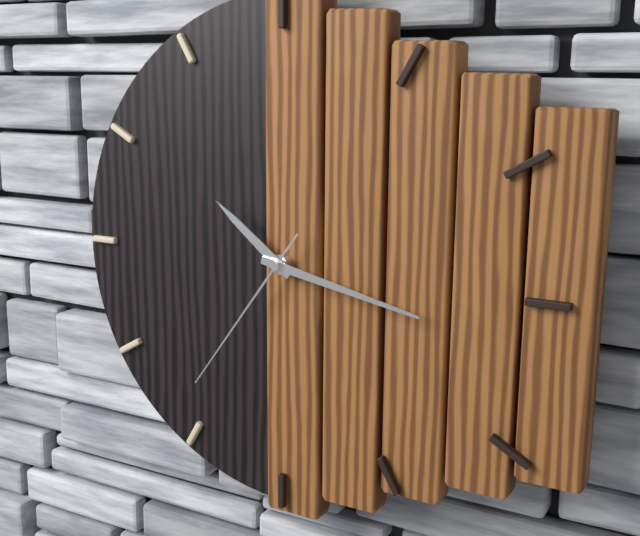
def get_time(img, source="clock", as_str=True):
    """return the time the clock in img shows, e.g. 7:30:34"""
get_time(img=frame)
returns 10:17:36
